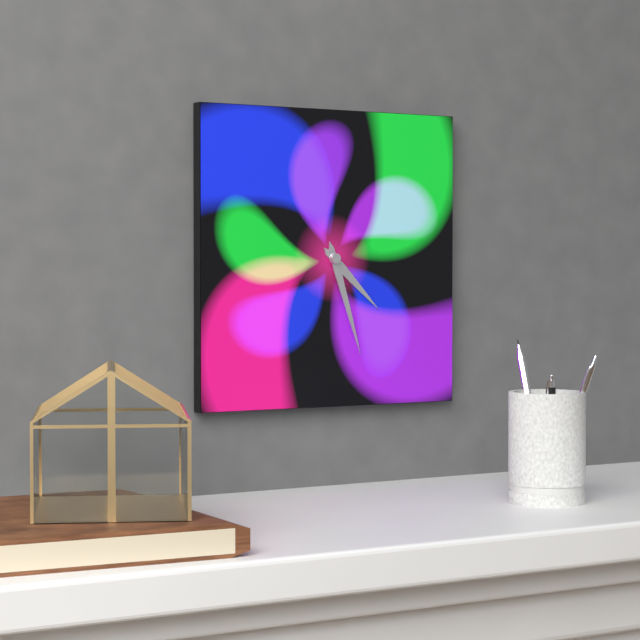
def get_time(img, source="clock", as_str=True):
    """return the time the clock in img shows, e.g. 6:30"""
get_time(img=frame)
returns 4:27
